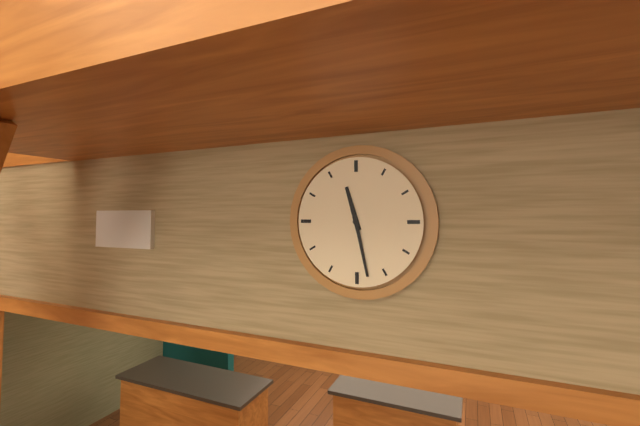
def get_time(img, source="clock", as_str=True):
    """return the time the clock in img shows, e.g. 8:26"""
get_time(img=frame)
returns 11:28
